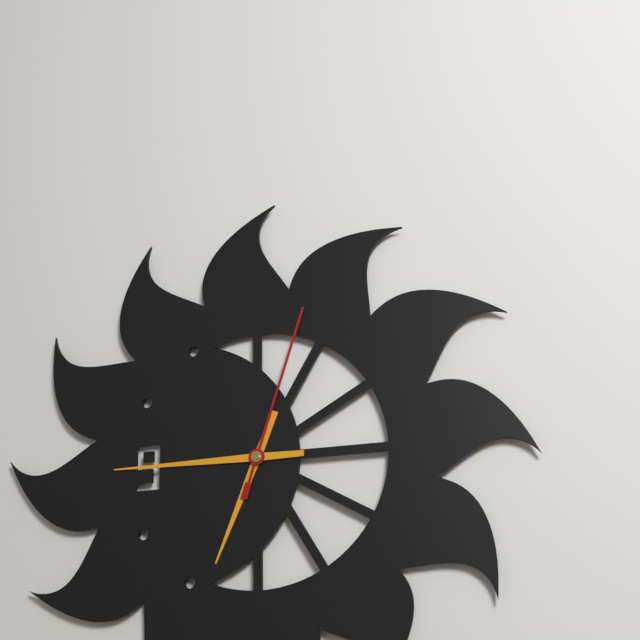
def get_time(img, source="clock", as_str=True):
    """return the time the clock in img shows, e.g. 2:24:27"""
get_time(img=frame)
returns 6:45:03
